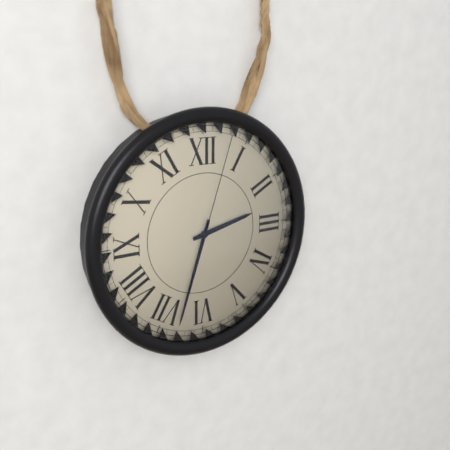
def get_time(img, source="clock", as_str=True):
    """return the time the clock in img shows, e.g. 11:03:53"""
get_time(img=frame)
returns 2:33:03
